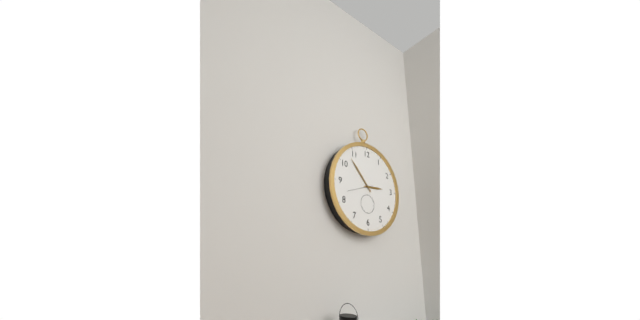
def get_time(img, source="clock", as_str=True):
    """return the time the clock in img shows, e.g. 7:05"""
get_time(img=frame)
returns 2:53
